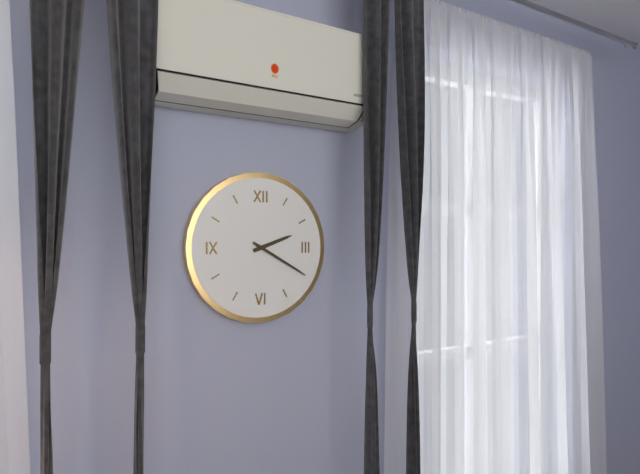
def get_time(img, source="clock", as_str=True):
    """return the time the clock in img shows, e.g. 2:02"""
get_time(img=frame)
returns 2:20
